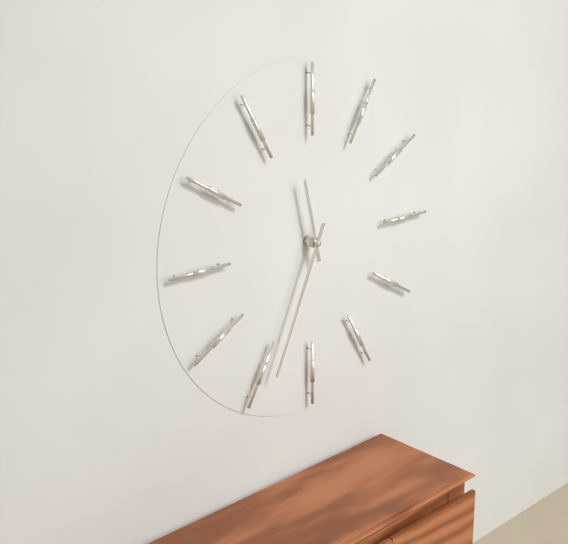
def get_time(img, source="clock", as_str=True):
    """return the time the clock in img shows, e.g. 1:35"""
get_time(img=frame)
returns 11:34
